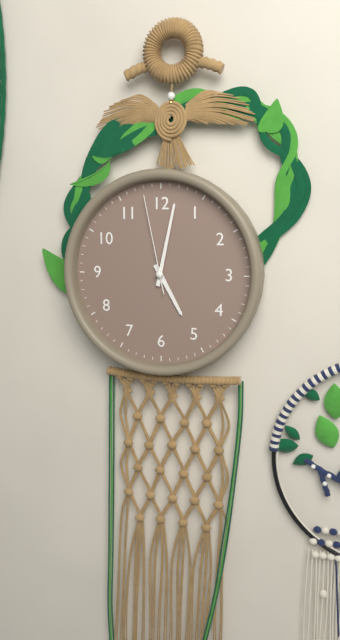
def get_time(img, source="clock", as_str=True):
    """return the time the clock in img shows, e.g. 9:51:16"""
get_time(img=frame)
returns 5:02:58
